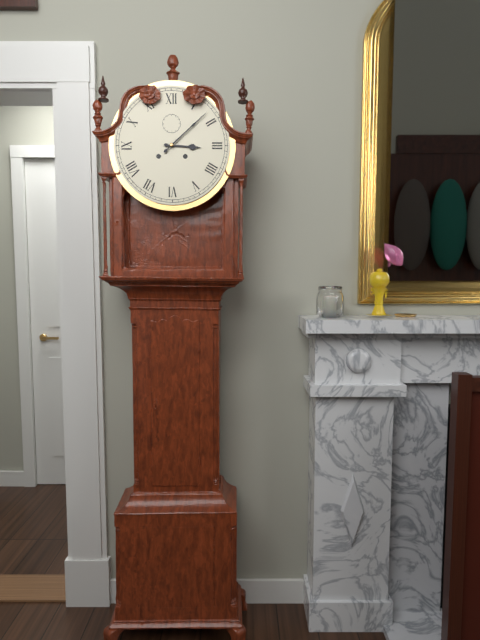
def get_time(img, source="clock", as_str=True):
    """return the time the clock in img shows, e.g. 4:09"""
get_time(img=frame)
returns 3:08
